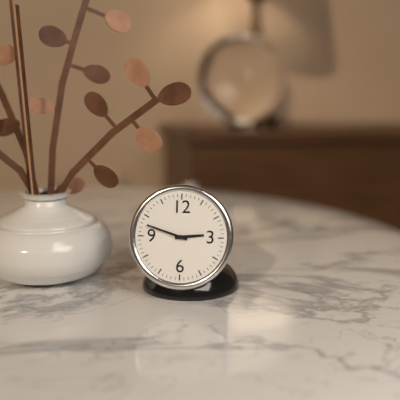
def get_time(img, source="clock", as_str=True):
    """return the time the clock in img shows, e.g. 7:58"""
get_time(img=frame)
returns 2:48
